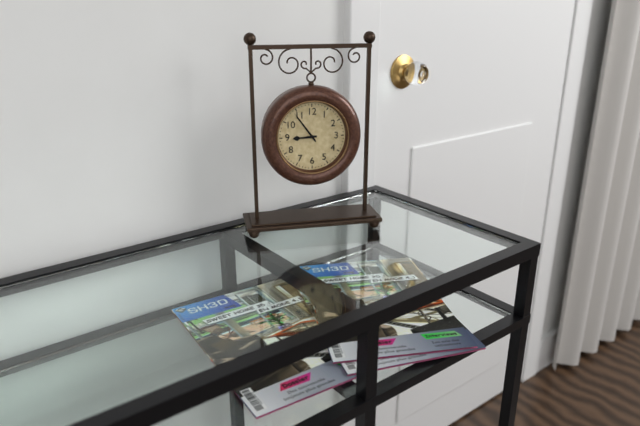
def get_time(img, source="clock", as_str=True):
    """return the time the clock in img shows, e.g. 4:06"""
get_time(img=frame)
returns 8:54
